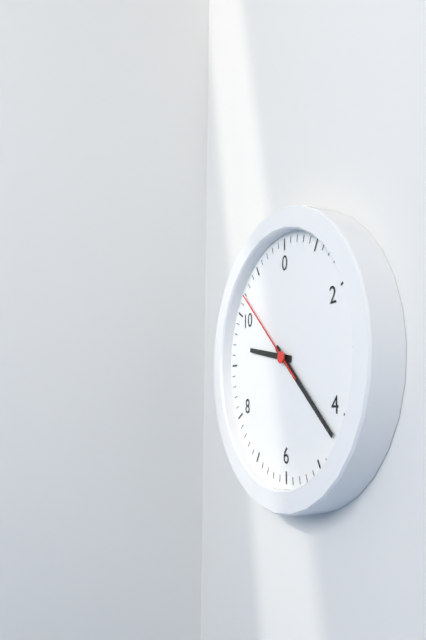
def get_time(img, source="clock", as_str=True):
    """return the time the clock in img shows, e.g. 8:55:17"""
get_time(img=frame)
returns 9:22:52
